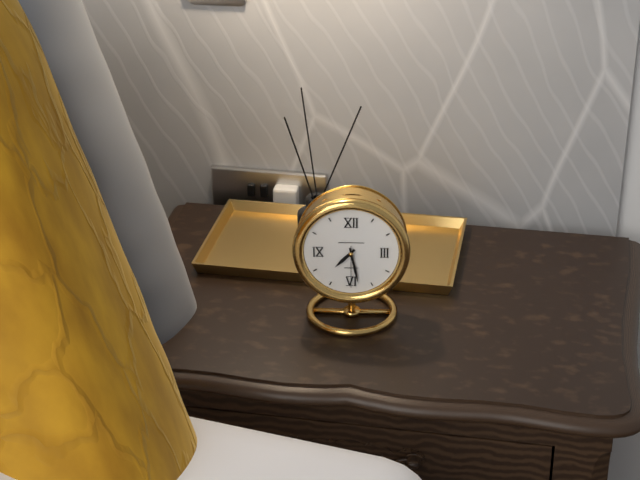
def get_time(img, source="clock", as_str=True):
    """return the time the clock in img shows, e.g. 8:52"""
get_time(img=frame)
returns 7:28
